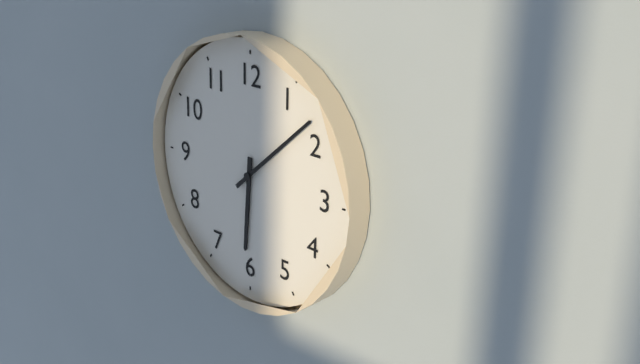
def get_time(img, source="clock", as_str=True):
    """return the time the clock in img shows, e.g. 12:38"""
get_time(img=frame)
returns 6:08
